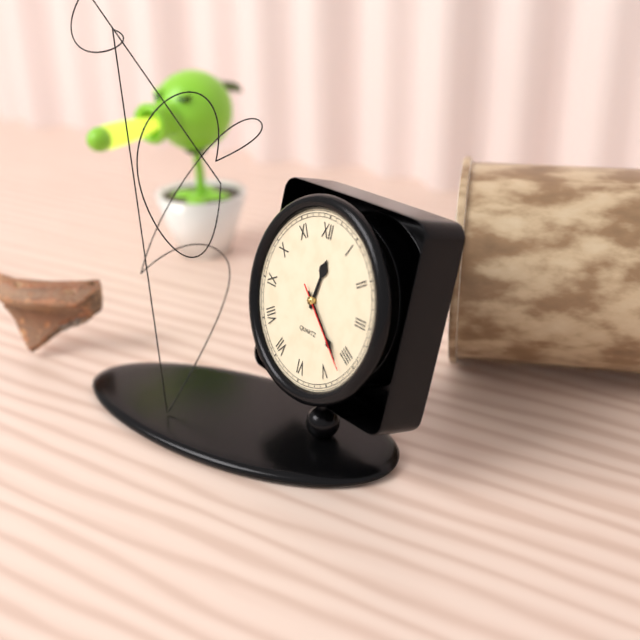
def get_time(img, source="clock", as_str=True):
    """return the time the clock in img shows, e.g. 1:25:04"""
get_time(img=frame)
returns 12:22:22
